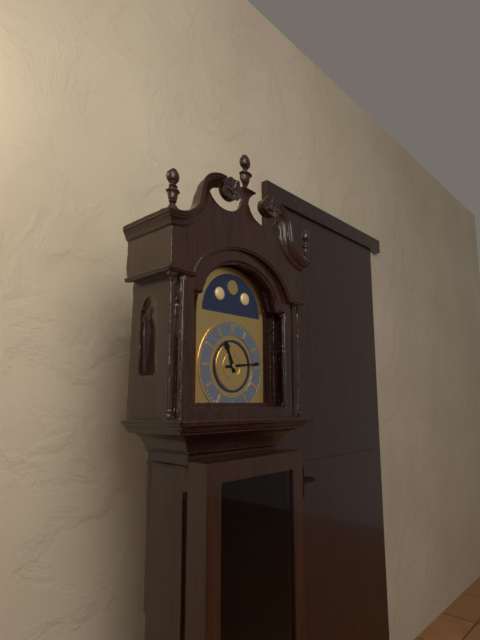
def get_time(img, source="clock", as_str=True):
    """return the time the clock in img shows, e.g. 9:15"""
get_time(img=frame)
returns 11:14
